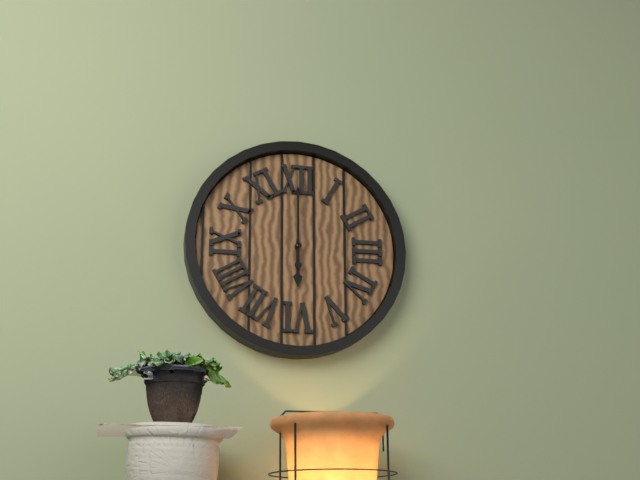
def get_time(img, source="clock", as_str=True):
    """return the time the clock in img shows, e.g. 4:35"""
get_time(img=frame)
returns 6:00
